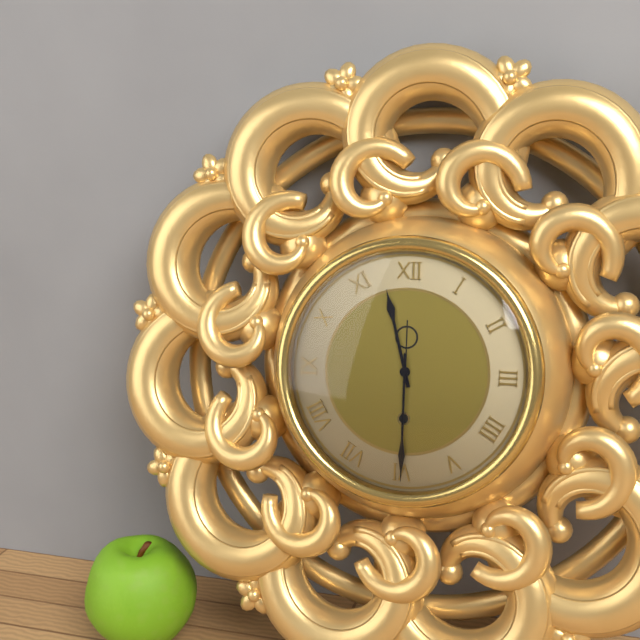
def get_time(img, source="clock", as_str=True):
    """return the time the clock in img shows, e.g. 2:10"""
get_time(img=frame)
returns 11:30
